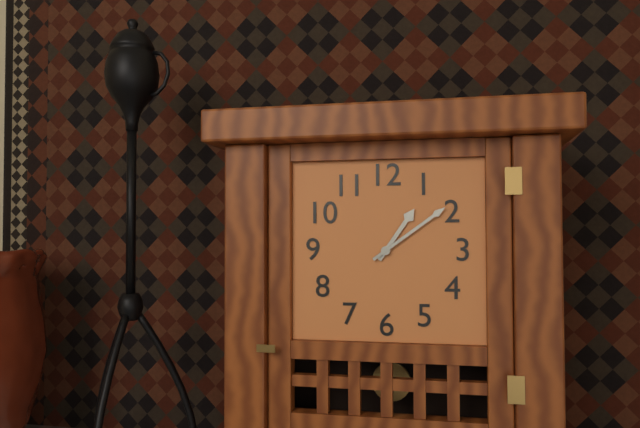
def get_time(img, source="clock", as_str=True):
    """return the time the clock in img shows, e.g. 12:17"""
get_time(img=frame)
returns 1:09
